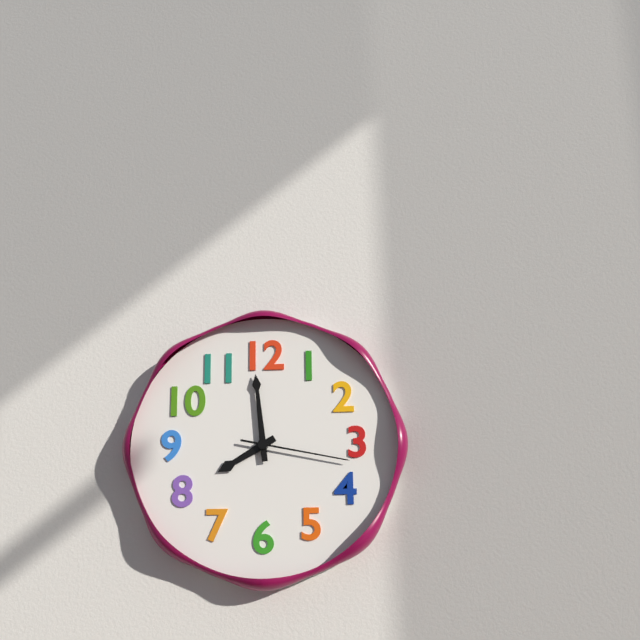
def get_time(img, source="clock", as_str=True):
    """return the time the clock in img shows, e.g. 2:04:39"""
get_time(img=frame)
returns 7:59:17
